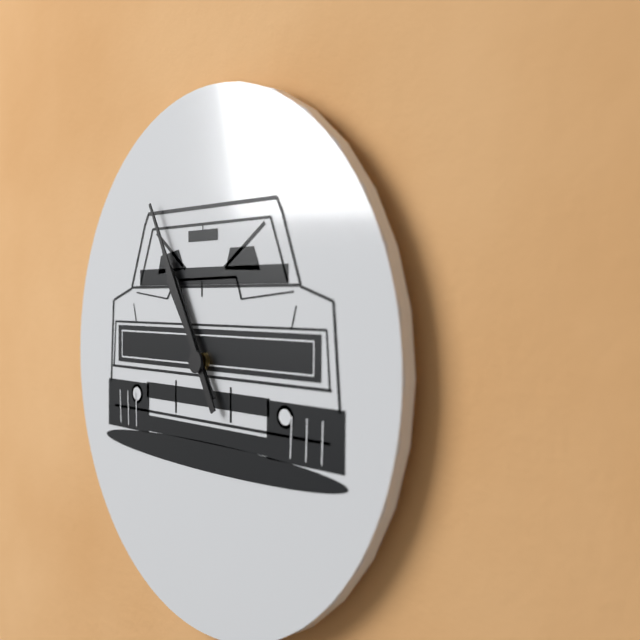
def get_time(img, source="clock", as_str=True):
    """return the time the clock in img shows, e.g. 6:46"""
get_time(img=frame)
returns 10:55
